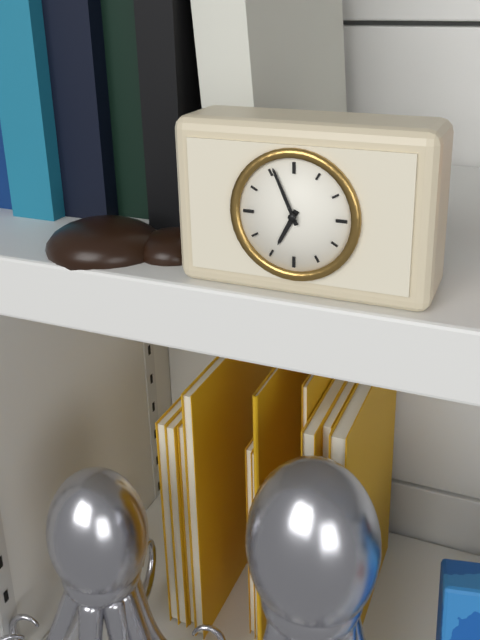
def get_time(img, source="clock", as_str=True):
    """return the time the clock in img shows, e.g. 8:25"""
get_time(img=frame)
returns 6:56
